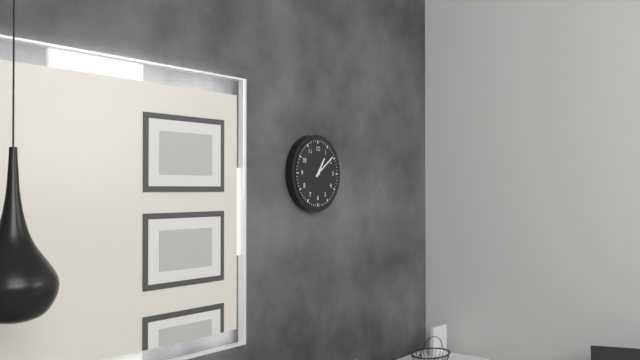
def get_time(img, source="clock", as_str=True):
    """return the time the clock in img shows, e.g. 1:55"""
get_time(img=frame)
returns 1:09
